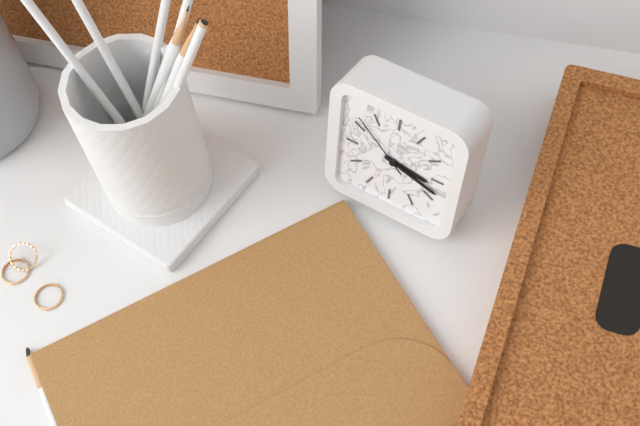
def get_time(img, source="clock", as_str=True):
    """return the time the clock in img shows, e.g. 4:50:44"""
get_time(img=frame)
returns 3:18:52
